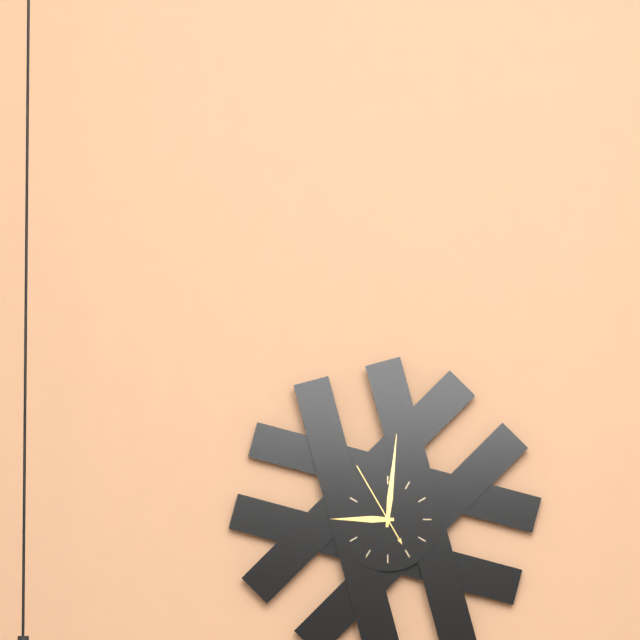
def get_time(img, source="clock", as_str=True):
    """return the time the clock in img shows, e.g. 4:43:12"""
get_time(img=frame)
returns 9:01:55
